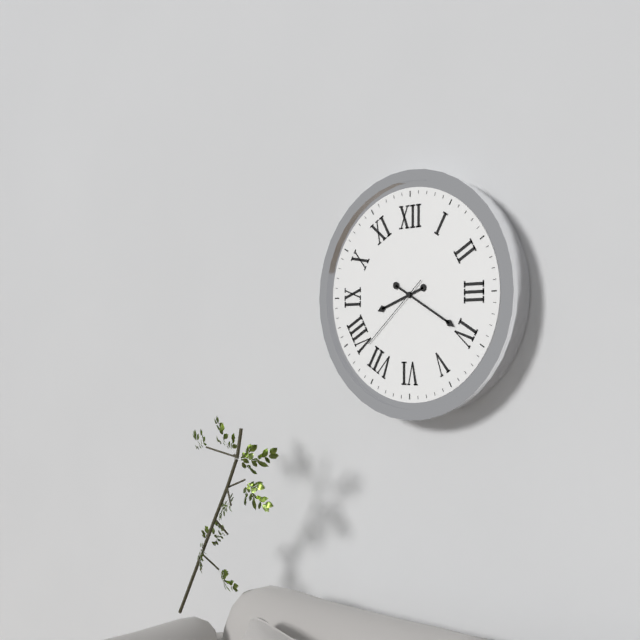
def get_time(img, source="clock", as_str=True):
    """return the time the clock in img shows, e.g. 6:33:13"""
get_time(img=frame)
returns 8:20:38
